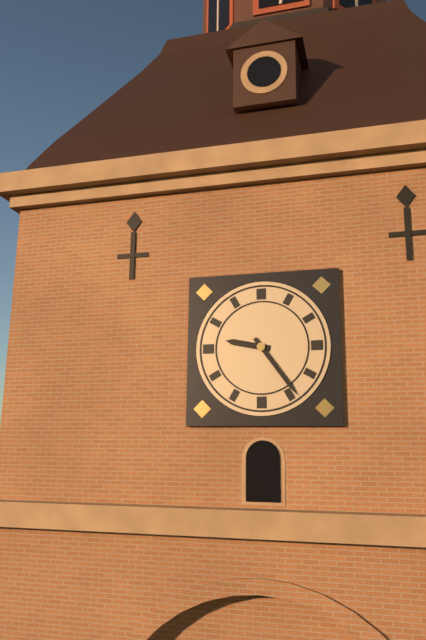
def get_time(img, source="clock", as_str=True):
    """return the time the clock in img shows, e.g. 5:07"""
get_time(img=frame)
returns 9:24
